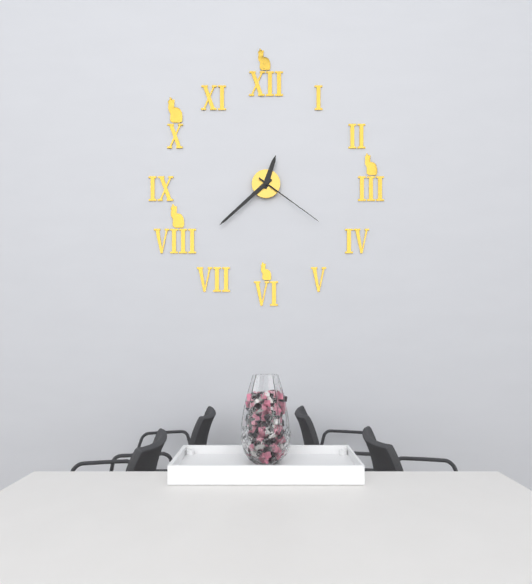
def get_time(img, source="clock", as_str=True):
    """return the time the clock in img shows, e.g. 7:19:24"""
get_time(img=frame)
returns 12:38:21
